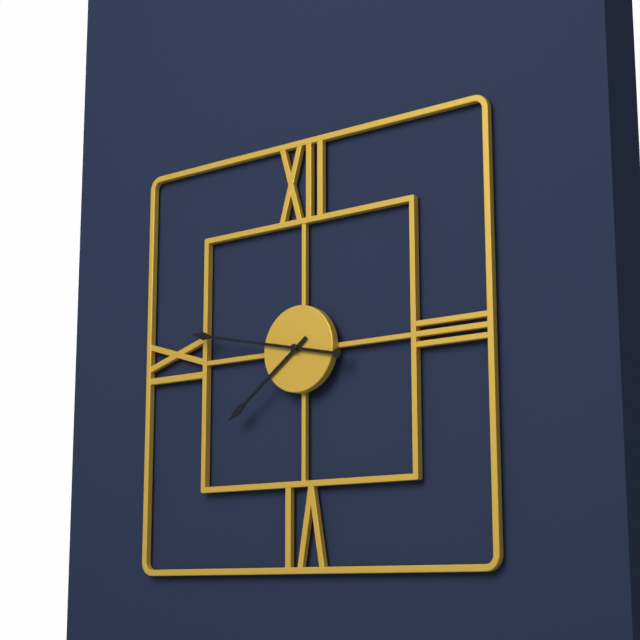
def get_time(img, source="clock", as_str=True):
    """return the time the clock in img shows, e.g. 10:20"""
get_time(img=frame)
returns 7:47
